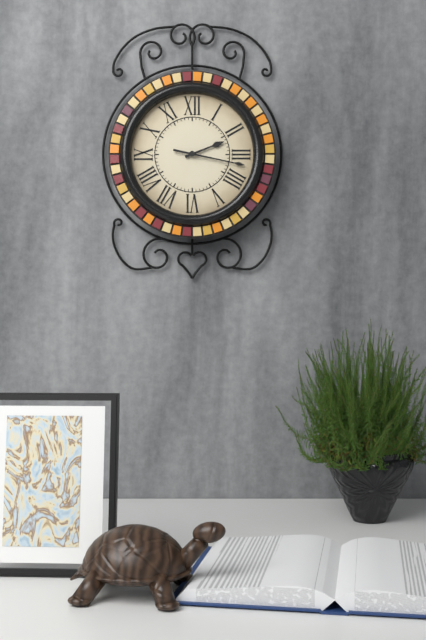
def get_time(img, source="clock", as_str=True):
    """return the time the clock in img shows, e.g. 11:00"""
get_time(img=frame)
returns 2:17
